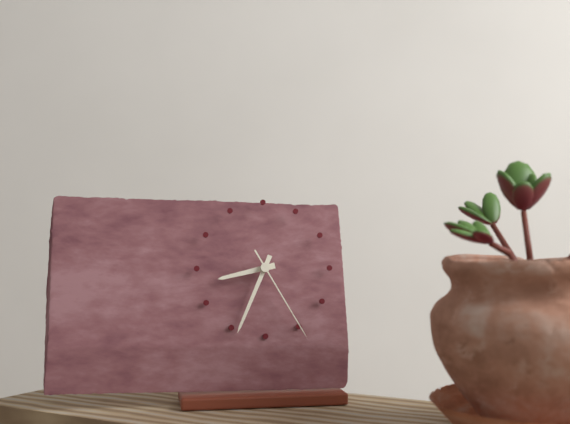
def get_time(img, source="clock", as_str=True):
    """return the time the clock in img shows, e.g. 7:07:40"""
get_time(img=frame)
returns 8:34:25
